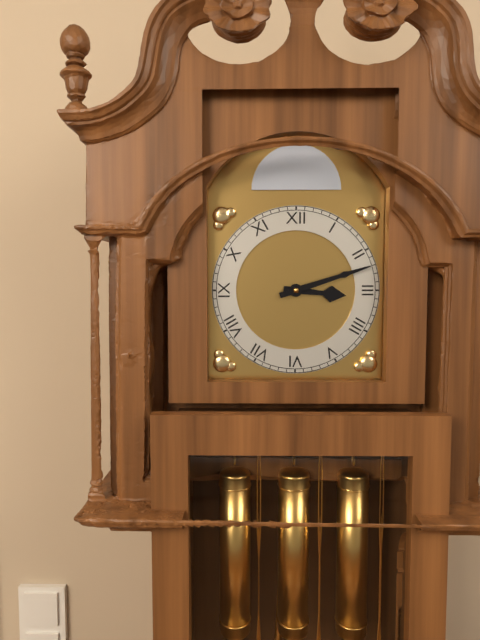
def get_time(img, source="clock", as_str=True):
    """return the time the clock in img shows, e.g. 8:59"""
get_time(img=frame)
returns 3:12
